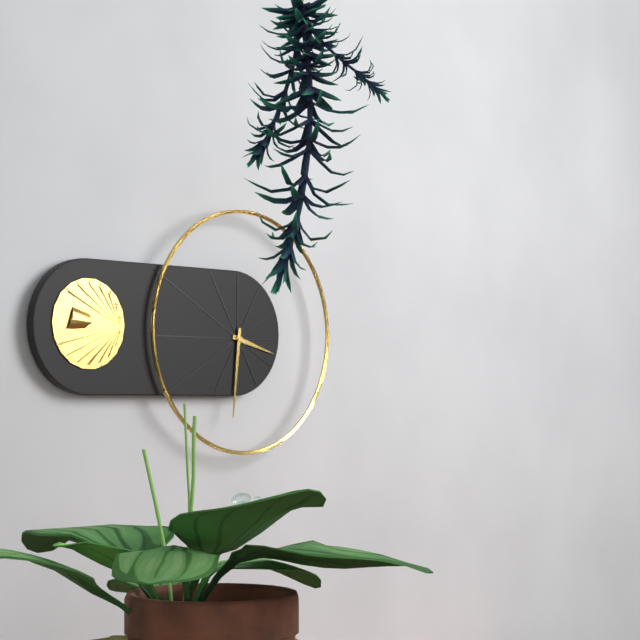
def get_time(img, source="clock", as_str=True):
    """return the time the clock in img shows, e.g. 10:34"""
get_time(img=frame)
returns 3:31
